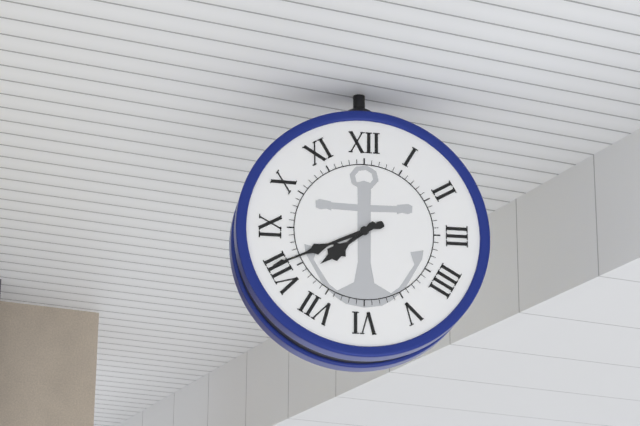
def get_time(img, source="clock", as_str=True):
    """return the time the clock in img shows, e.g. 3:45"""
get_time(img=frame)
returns 7:41
